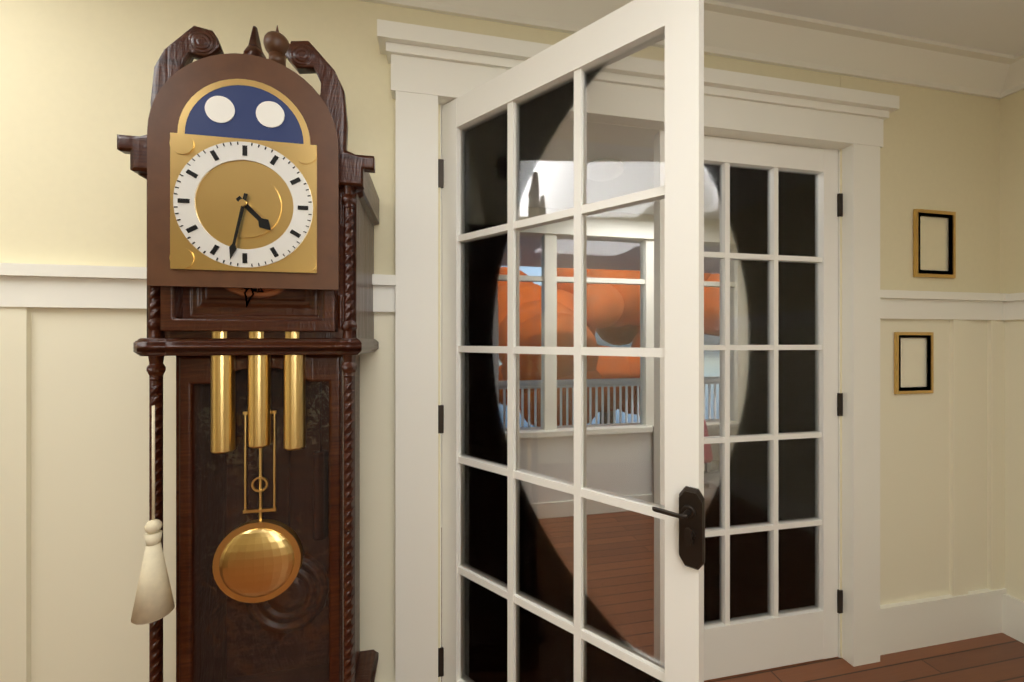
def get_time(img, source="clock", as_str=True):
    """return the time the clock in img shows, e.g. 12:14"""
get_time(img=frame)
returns 4:32
